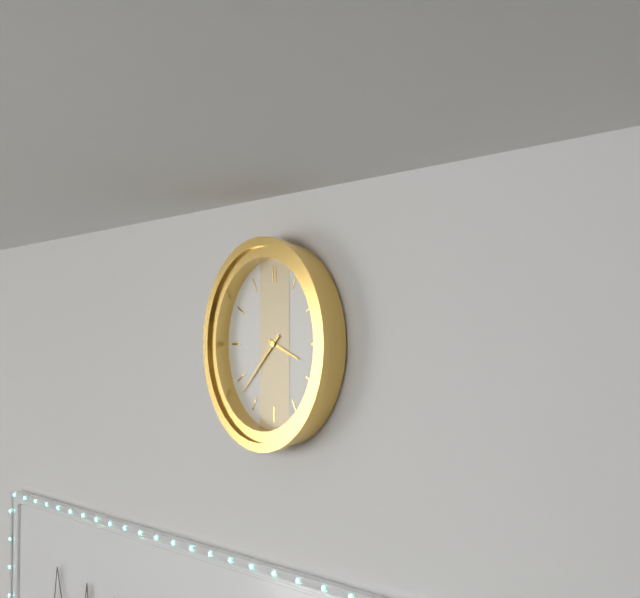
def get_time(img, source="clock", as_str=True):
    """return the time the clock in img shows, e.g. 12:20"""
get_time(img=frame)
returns 3:38
